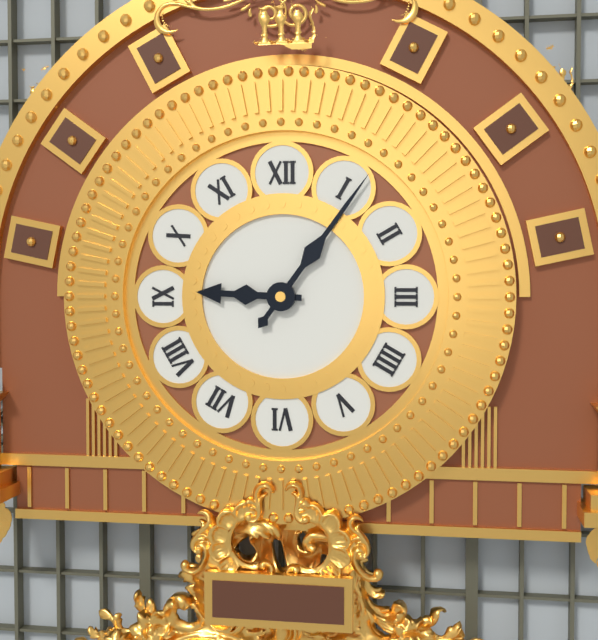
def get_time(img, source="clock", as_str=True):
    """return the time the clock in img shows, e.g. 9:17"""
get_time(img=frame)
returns 9:06
